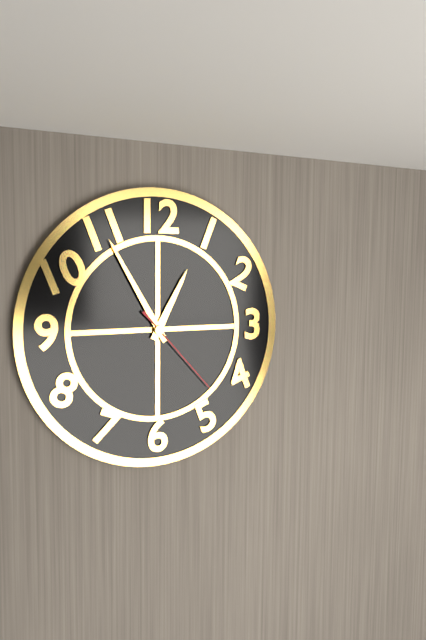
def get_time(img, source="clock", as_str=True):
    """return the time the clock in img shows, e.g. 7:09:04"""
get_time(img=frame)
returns 12:55:23
